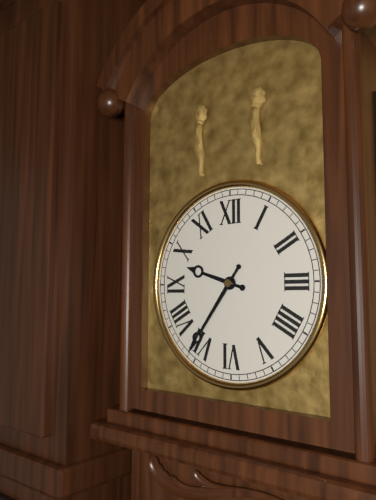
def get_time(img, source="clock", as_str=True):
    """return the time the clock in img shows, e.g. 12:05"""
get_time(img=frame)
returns 9:36
